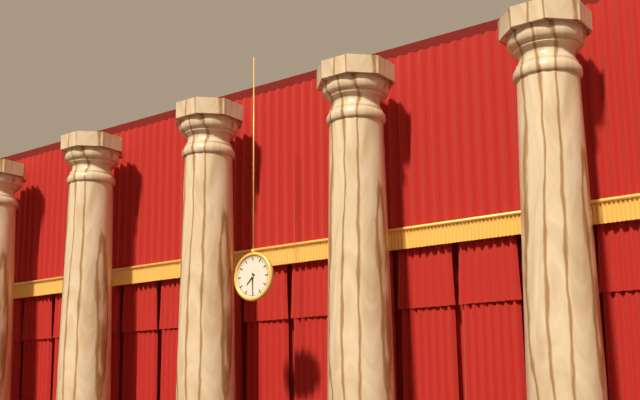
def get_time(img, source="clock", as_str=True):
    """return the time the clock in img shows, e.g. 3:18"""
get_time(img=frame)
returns 7:30
